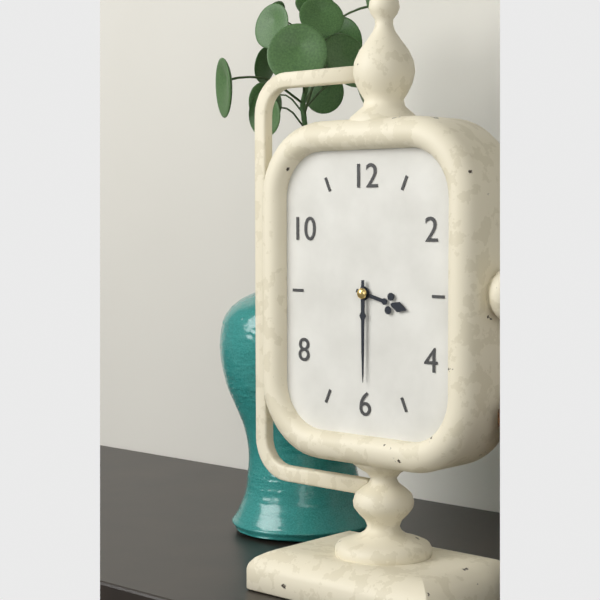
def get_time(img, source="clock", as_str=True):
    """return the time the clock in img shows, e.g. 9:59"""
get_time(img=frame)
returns 3:30
